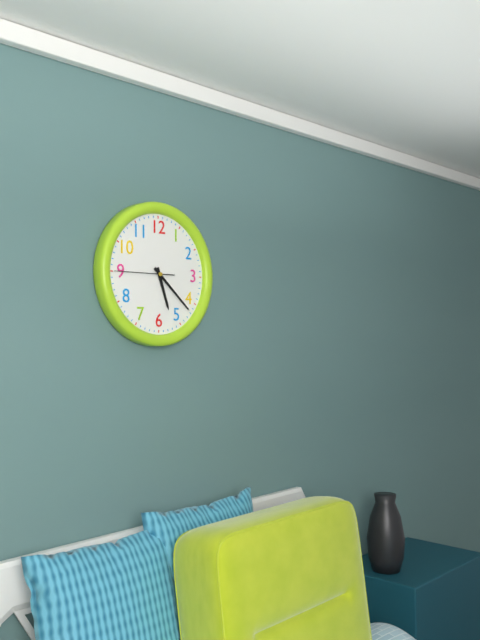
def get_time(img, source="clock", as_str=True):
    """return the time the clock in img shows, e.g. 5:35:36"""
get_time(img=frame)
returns 5:22:45
